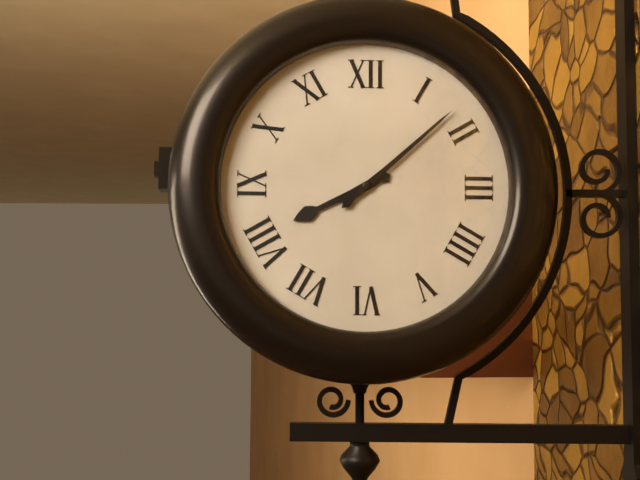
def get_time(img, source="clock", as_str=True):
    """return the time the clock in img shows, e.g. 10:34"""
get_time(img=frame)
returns 8:08
